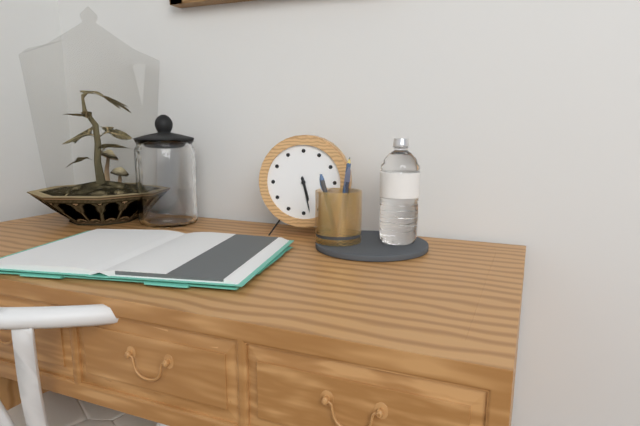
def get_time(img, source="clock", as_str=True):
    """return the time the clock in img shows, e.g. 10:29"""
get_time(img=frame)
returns 5:28
